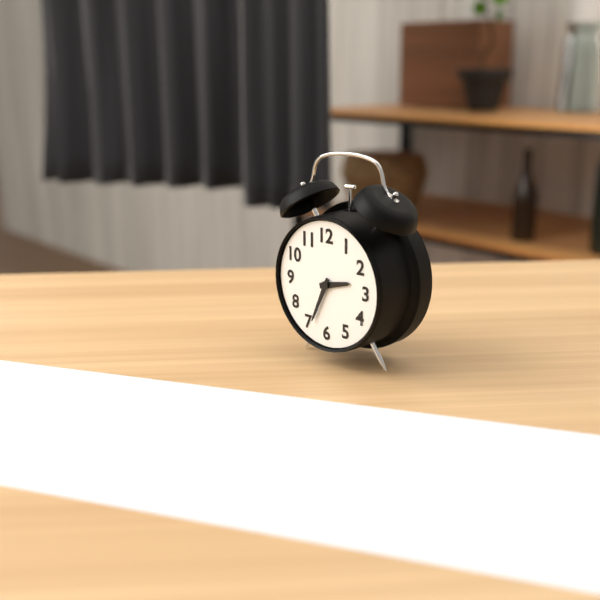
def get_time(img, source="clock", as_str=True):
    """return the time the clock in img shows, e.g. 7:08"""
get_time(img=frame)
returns 2:34
